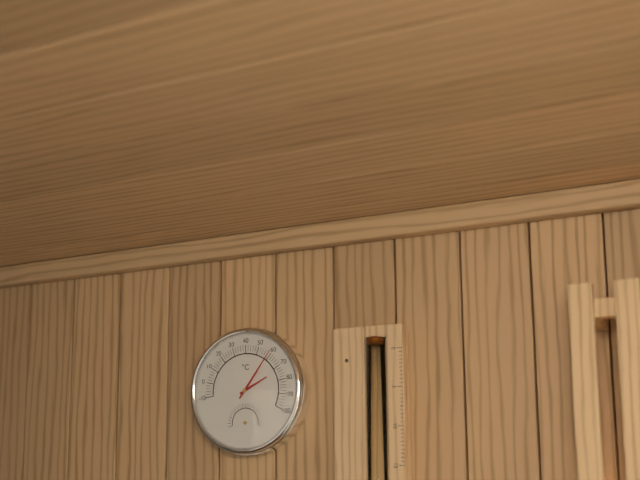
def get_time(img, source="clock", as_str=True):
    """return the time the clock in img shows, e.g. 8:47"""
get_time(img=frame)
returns 2:06
